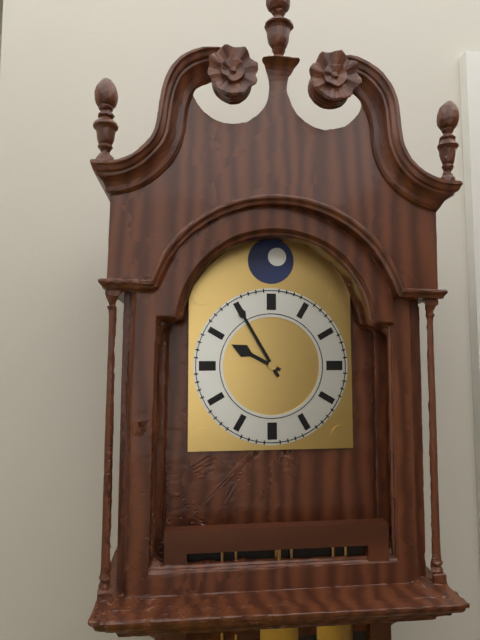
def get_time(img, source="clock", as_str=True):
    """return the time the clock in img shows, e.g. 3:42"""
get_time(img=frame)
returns 9:55
